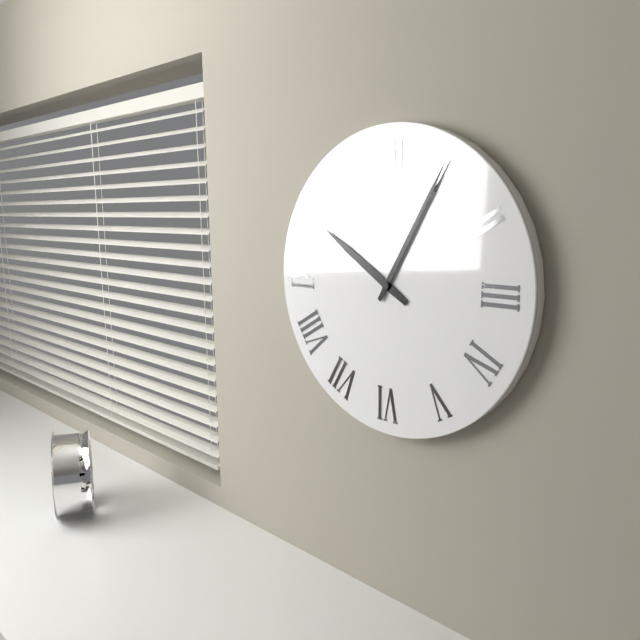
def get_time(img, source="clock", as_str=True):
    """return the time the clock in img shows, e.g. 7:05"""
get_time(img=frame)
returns 10:05
